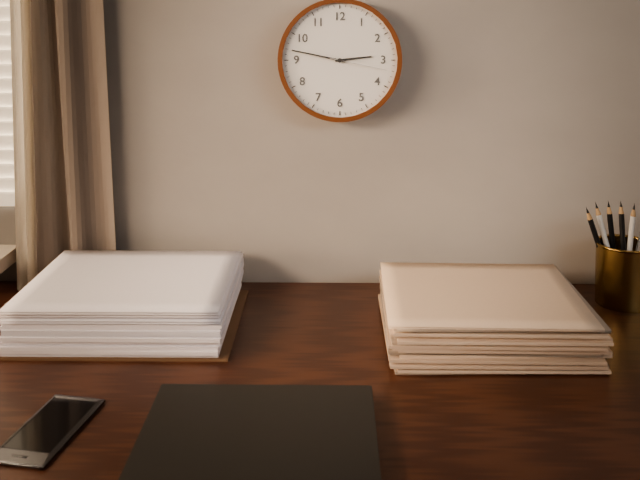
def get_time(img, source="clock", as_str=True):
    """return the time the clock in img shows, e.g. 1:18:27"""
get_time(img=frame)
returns 2:47:17
